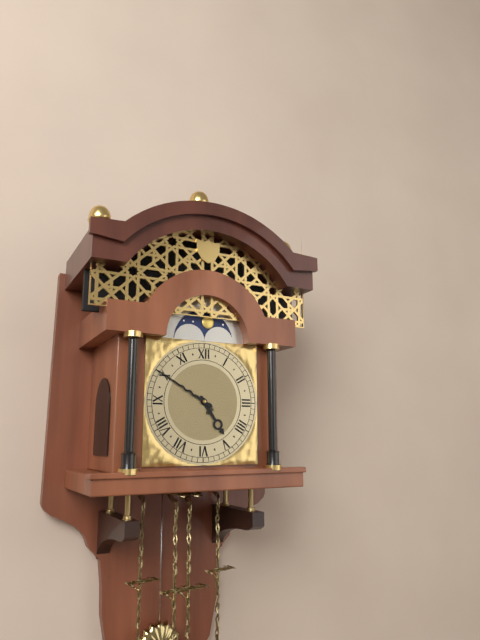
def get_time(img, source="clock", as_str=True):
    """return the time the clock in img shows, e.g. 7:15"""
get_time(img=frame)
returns 4:50
